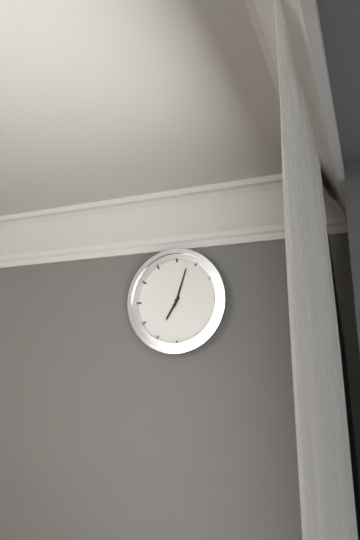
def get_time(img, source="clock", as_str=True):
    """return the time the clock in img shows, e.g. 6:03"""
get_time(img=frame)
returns 7:03
